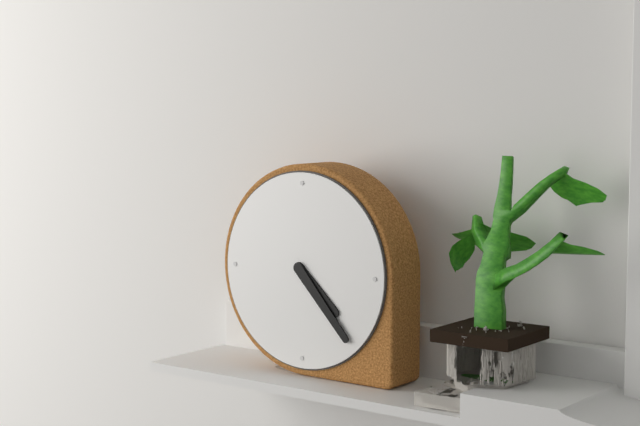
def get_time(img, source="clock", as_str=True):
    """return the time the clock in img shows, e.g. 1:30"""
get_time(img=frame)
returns 4:23
